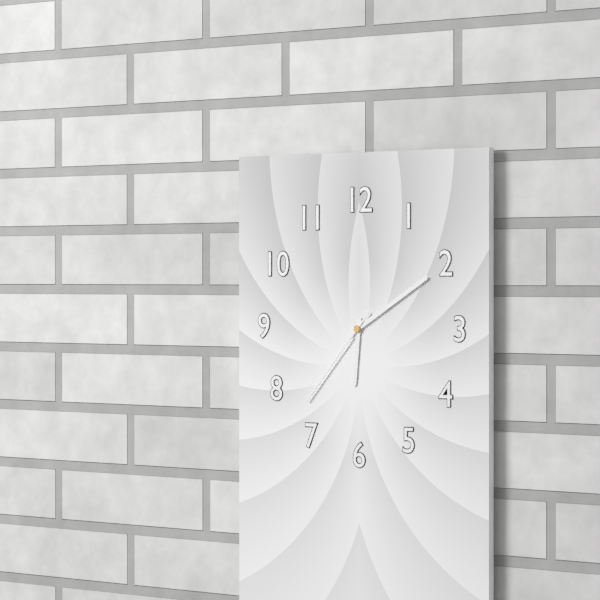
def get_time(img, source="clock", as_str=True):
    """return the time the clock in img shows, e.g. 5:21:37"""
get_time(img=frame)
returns 6:10:37
